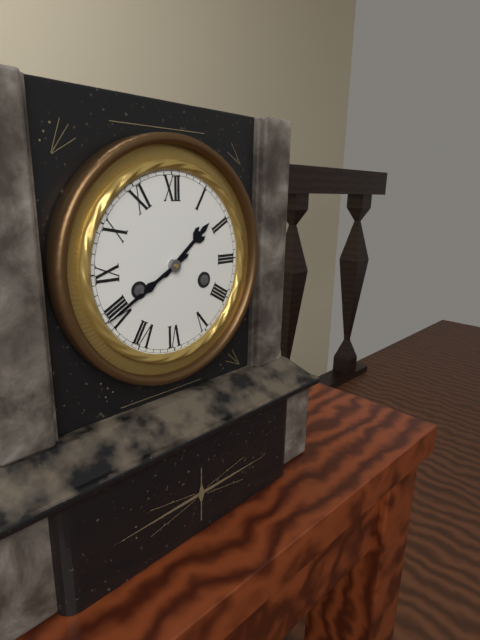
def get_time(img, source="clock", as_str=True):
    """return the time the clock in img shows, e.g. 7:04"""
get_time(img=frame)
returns 1:40
